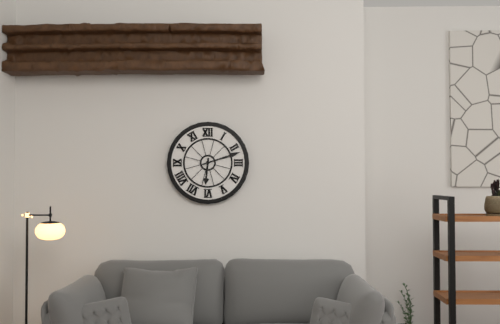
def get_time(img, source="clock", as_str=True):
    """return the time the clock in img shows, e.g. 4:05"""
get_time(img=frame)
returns 6:12
